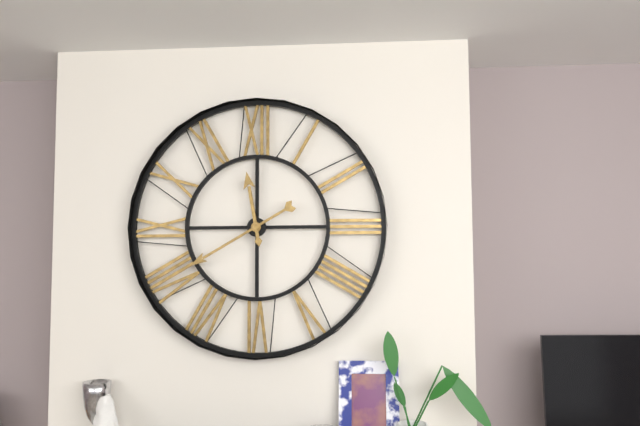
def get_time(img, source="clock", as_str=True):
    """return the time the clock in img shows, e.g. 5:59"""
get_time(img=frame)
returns 11:40
